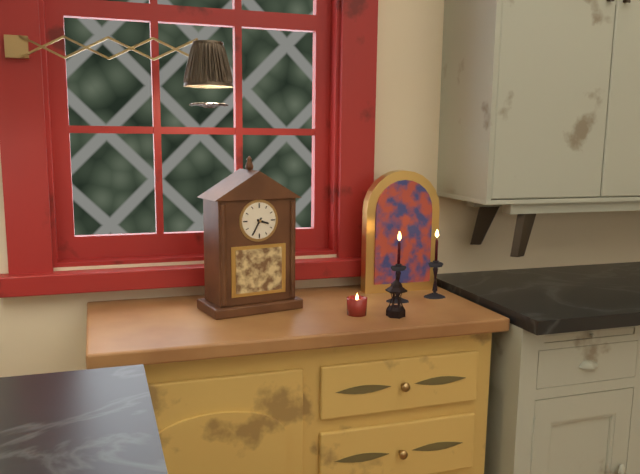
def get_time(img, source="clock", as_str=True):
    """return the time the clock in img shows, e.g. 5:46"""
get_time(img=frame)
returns 3:35
